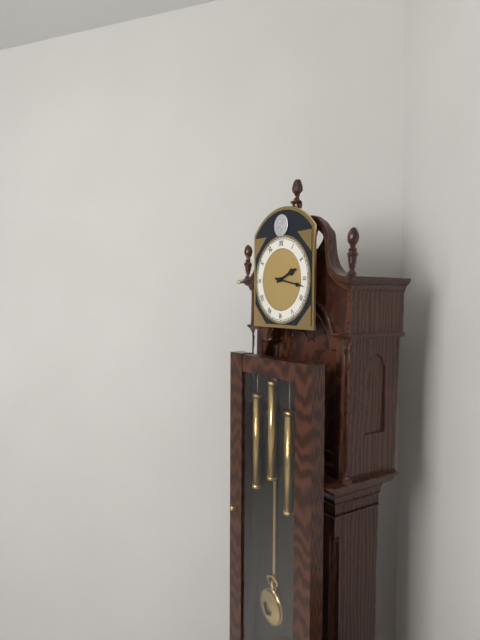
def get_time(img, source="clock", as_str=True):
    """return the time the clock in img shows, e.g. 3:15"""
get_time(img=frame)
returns 2:17
